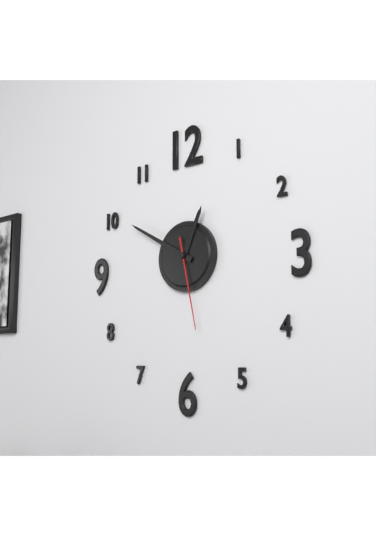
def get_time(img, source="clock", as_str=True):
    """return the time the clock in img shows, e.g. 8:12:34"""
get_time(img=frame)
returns 12:50:28
